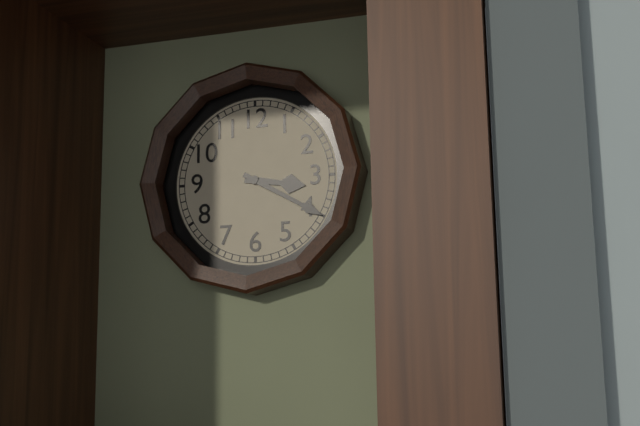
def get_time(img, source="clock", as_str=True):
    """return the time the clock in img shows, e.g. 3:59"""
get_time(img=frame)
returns 3:20
